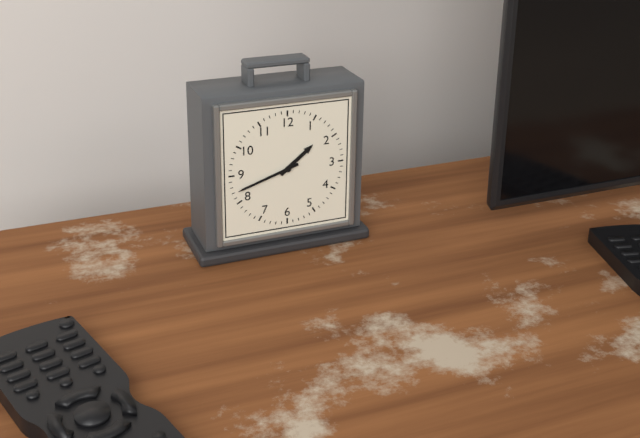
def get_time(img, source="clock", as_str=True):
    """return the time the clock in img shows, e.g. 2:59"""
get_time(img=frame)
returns 1:42
